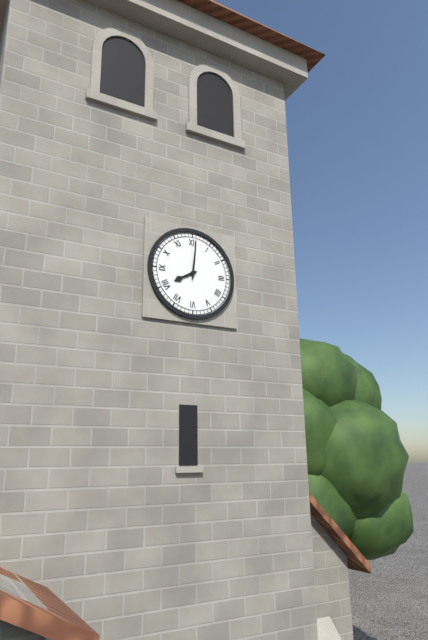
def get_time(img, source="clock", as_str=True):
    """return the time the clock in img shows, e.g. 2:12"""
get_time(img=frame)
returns 8:01
